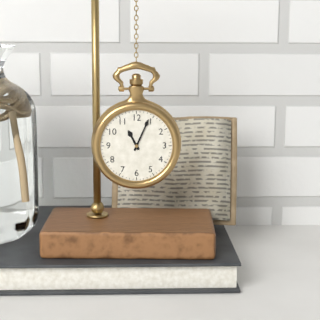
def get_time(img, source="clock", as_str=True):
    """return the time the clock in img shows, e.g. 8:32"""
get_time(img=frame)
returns 11:04
